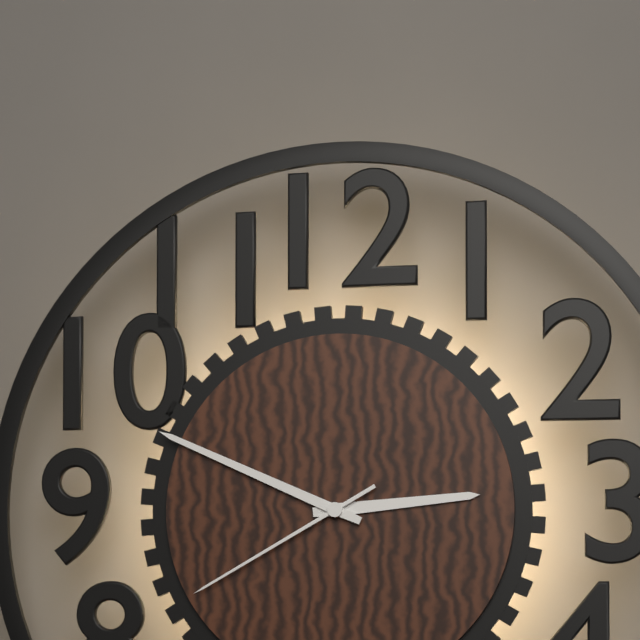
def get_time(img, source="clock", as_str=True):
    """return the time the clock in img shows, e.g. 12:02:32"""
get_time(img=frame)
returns 2:49:40
